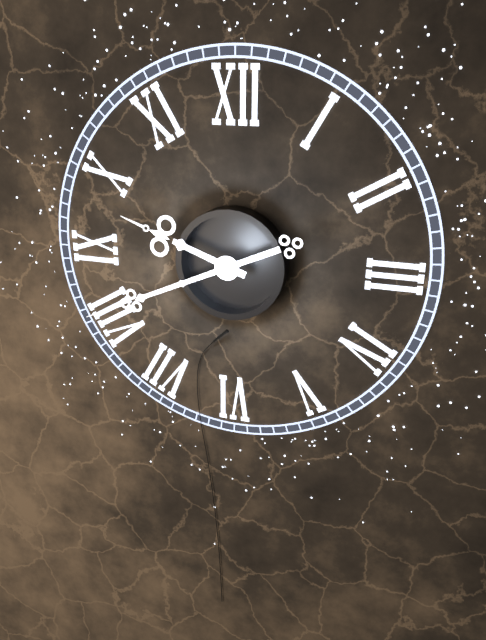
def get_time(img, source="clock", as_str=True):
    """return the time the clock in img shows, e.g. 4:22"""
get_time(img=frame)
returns 9:41
